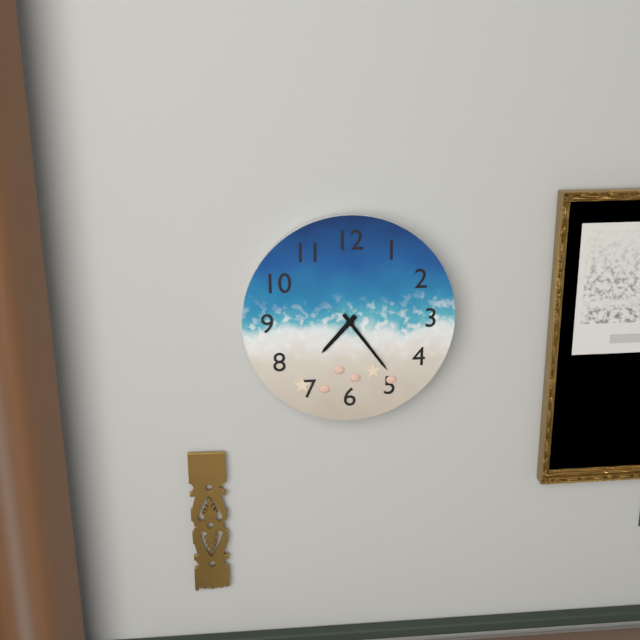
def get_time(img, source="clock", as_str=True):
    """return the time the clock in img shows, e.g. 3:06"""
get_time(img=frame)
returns 7:24
